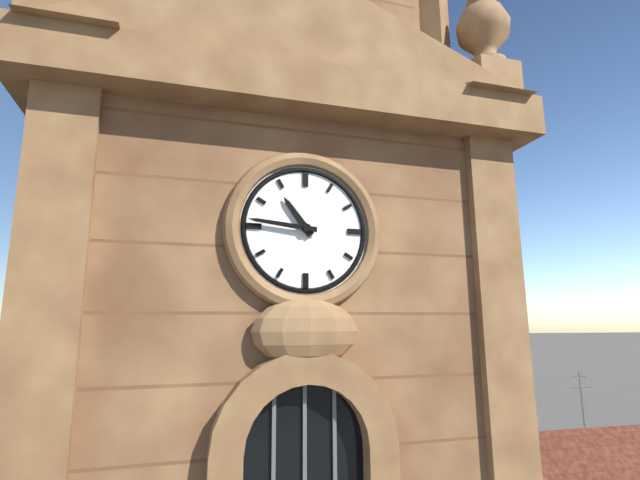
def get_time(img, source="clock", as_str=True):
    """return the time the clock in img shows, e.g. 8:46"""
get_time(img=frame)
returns 10:46
